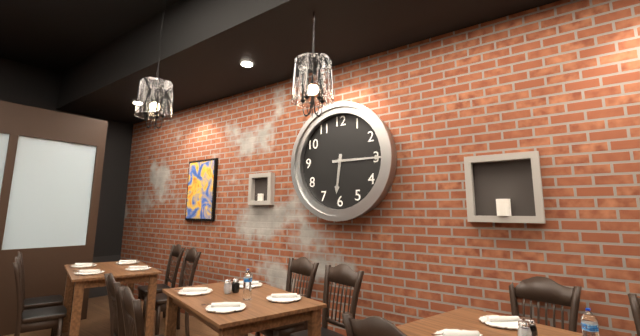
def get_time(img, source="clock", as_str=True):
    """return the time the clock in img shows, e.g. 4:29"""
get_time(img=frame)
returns 6:15
